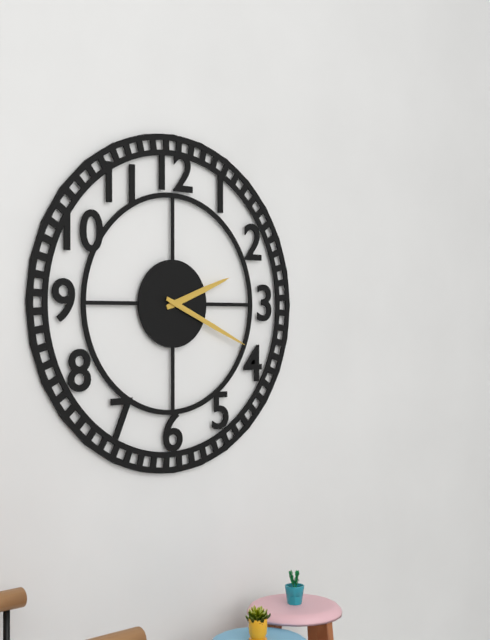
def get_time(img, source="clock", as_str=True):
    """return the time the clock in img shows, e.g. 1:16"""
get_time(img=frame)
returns 2:19
